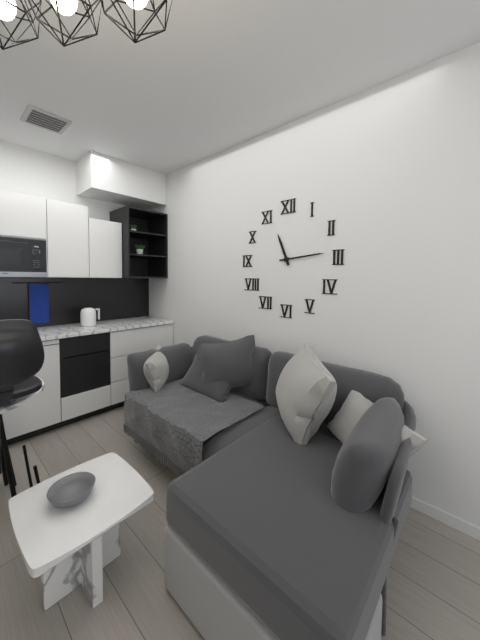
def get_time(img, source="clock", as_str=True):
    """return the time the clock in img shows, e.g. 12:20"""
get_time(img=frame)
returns 11:14
